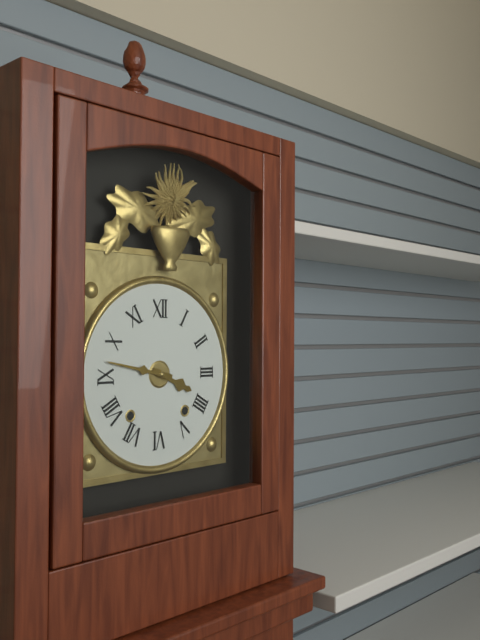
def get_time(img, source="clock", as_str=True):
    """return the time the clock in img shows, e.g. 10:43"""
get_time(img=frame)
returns 3:47
